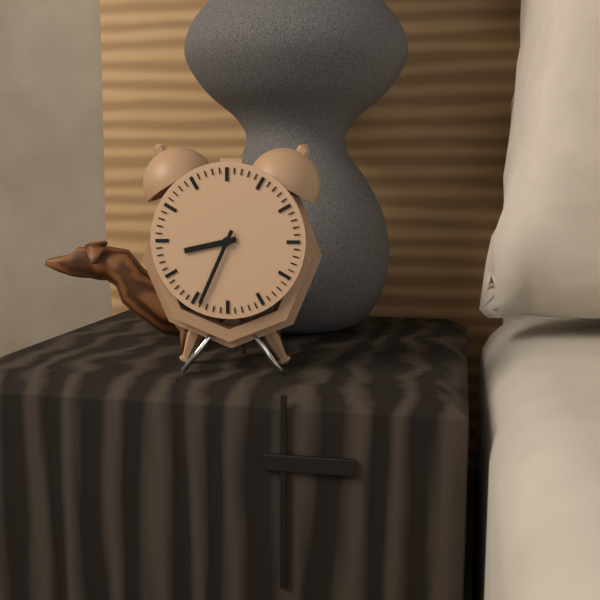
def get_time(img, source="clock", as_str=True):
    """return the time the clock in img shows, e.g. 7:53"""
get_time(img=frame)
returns 8:34
